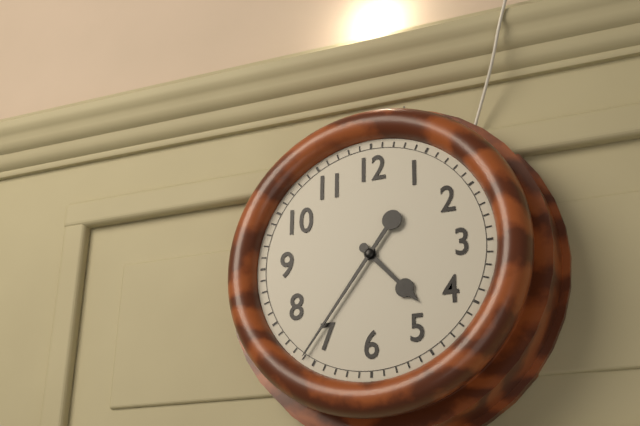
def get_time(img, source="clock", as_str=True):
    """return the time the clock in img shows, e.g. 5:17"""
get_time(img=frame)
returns 4:36
